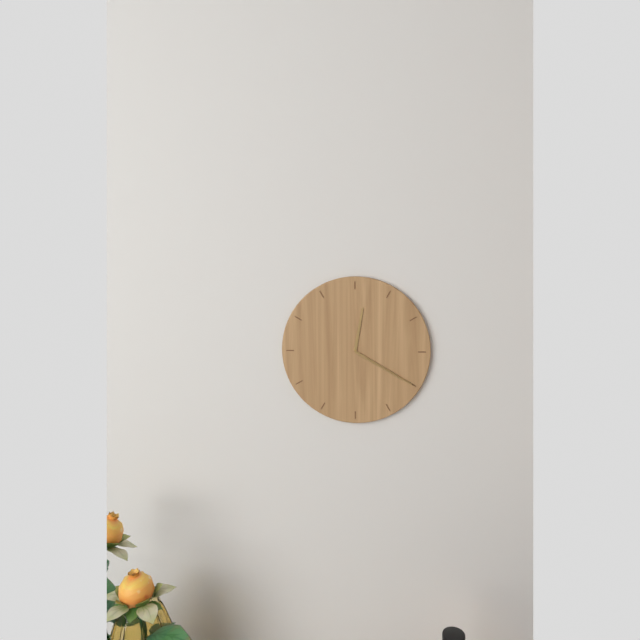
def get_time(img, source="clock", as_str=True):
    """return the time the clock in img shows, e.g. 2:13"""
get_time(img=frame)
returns 12:20
